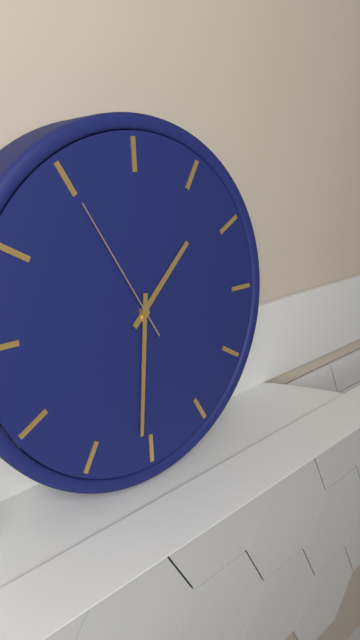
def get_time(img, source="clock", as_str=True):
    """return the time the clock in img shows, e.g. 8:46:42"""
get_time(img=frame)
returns 1:31:55
